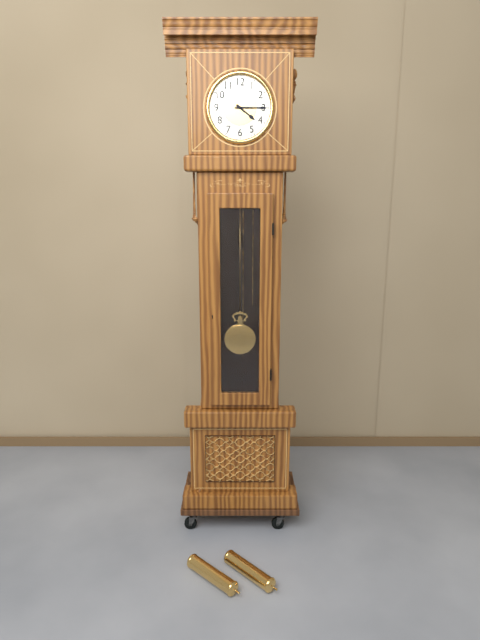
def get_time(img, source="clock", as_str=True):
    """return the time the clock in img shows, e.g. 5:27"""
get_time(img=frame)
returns 4:15
